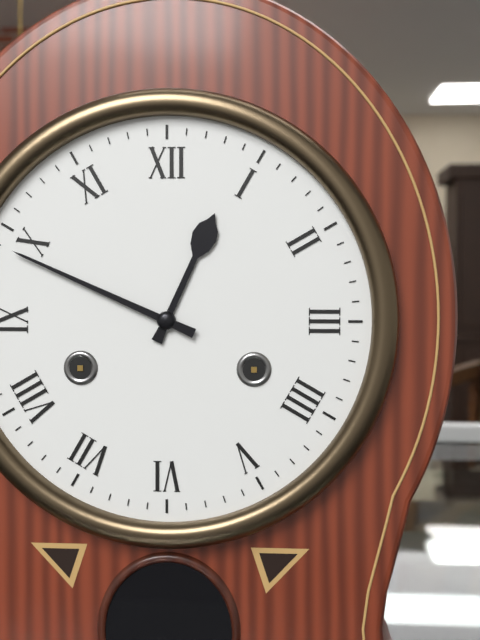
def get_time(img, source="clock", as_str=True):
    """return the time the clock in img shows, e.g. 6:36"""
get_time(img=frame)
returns 12:49
